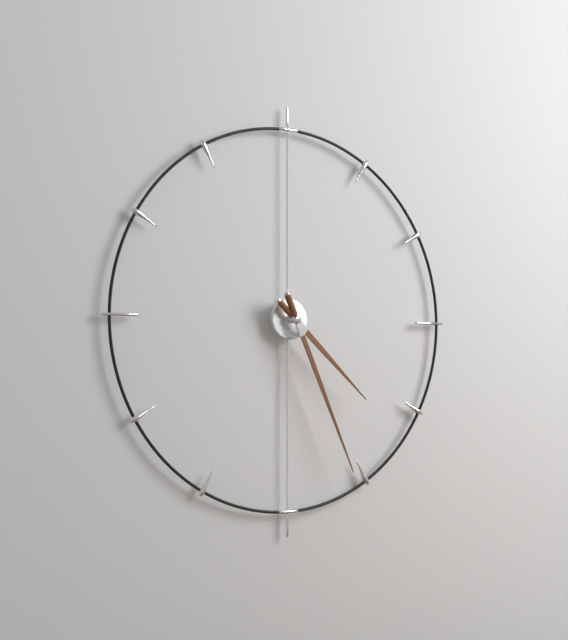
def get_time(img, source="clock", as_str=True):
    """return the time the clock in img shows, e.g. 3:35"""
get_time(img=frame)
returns 4:26
